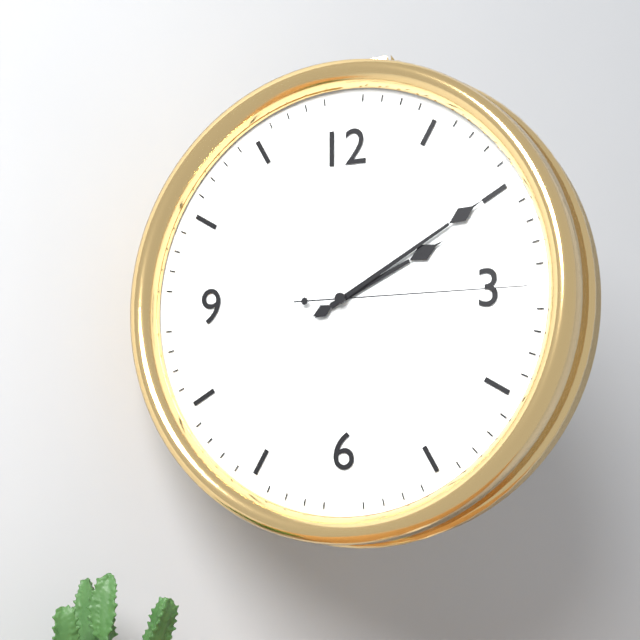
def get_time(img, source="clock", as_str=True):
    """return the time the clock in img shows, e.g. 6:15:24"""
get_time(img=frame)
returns 2:10:15
